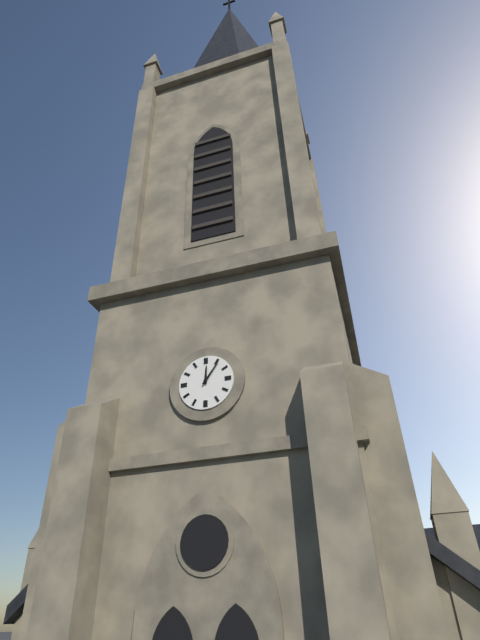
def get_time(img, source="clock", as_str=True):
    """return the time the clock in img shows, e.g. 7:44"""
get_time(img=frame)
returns 12:06
